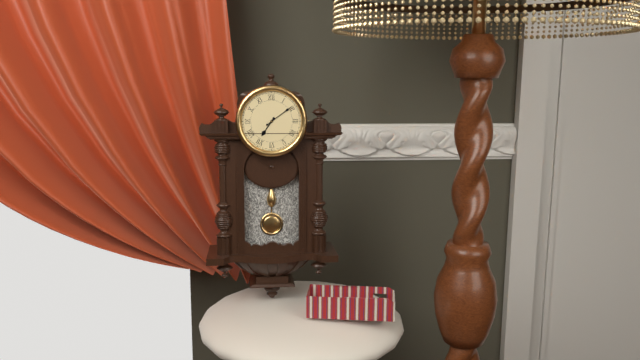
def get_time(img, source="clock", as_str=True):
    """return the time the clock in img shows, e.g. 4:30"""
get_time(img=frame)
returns 7:09
